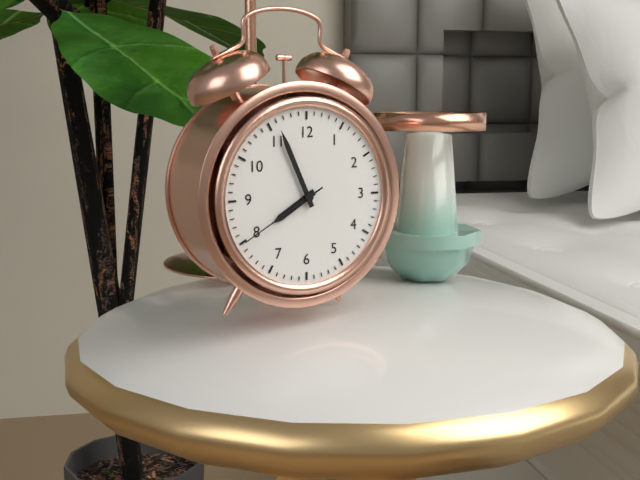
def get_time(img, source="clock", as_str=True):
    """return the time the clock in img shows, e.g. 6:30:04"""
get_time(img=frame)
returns 7:56:40
